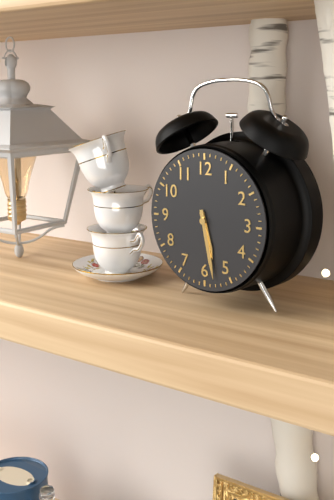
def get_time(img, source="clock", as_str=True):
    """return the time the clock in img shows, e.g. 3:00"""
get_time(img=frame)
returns 5:28
